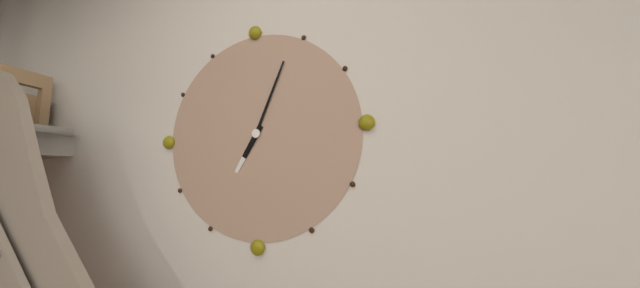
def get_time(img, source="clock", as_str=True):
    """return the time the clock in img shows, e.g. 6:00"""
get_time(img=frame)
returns 7:04
